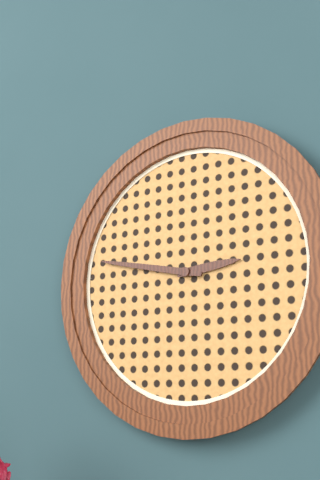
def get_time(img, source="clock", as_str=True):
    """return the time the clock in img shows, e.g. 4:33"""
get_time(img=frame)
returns 2:47
